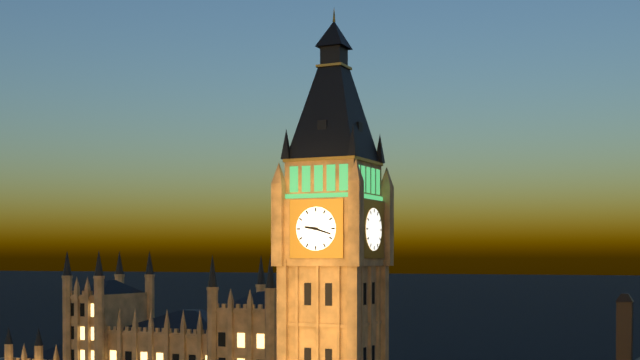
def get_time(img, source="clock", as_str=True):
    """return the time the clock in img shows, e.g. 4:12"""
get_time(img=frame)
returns 9:18
